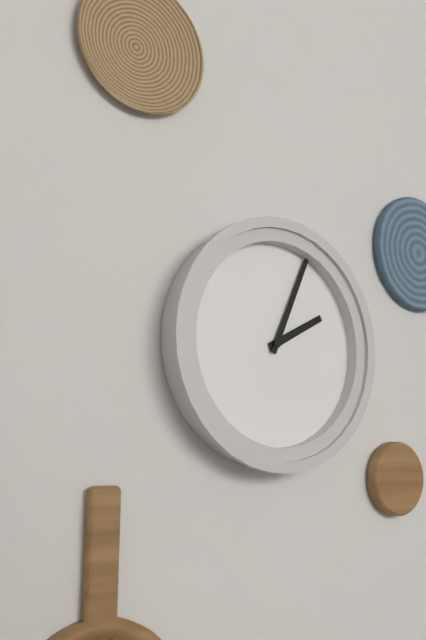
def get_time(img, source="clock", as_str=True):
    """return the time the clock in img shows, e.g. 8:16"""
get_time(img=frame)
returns 2:04
